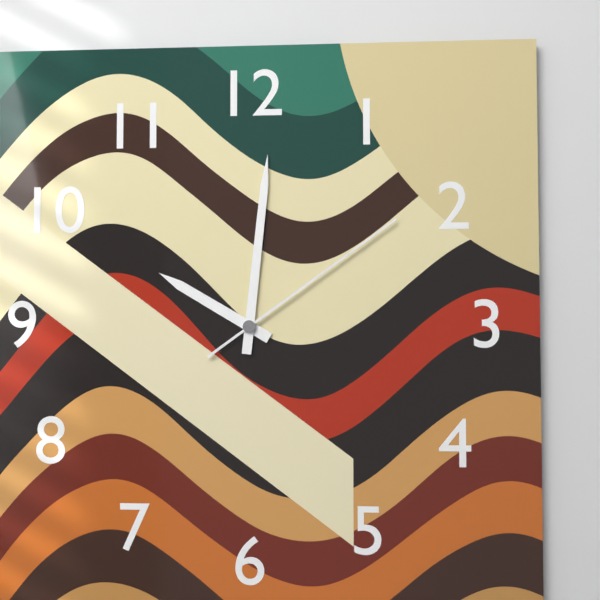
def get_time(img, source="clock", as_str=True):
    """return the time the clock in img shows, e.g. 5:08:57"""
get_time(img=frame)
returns 10:01:09
